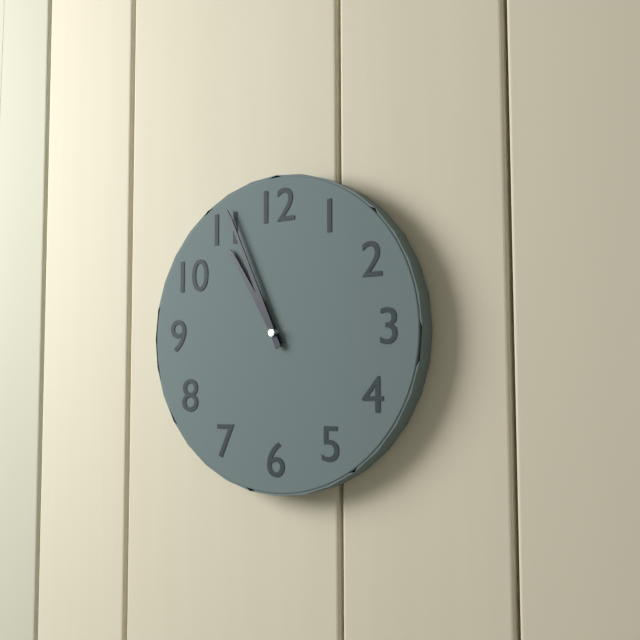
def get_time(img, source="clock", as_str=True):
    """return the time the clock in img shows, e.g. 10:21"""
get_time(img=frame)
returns 10:56
